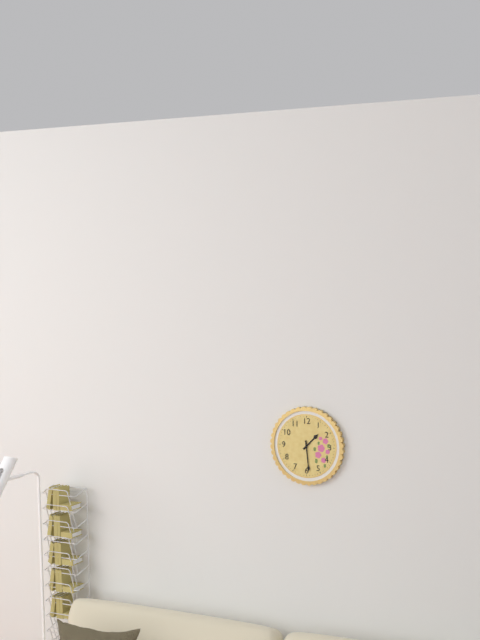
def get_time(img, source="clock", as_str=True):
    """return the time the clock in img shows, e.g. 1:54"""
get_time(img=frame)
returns 1:29
